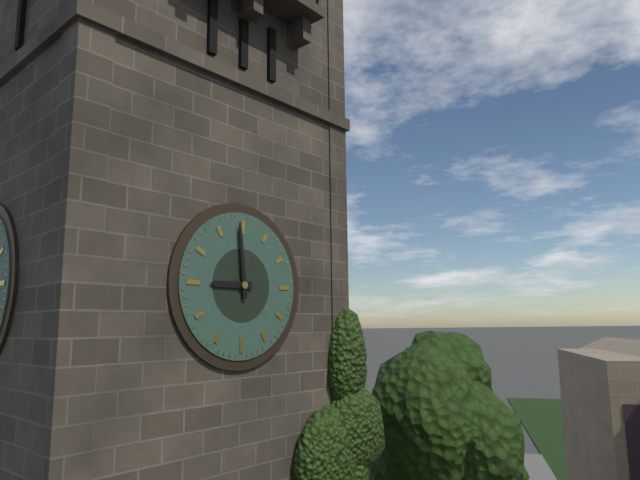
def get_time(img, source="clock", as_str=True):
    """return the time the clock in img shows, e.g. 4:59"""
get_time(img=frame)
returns 8:59
